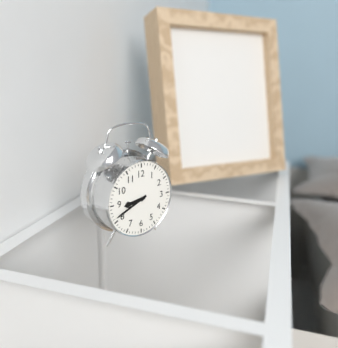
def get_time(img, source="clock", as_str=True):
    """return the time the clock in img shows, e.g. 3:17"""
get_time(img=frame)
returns 8:41
